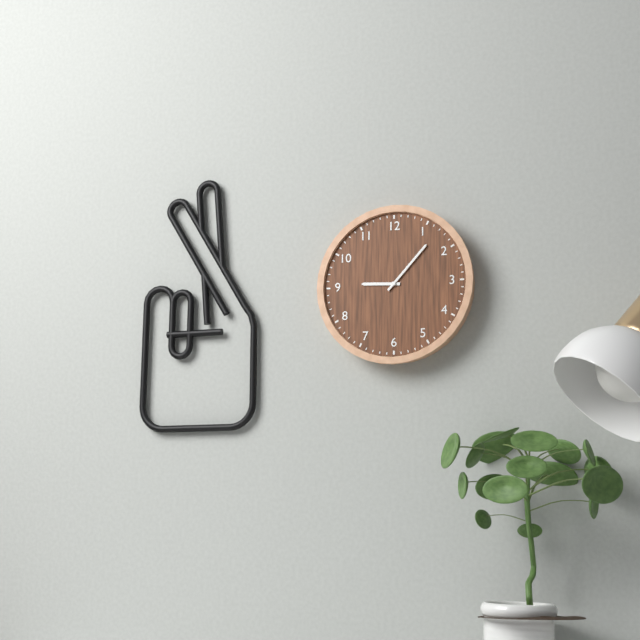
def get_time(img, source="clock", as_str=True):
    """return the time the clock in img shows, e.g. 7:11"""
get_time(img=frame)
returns 9:07
